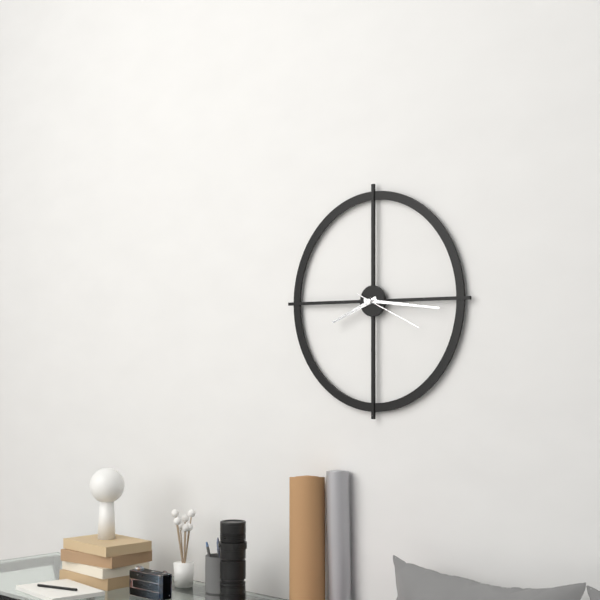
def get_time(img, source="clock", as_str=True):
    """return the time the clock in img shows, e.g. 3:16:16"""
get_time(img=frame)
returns 8:16:19
